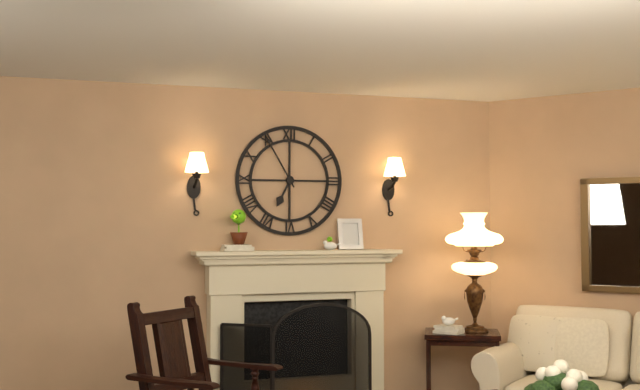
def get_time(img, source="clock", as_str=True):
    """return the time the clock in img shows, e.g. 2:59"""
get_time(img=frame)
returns 6:55
